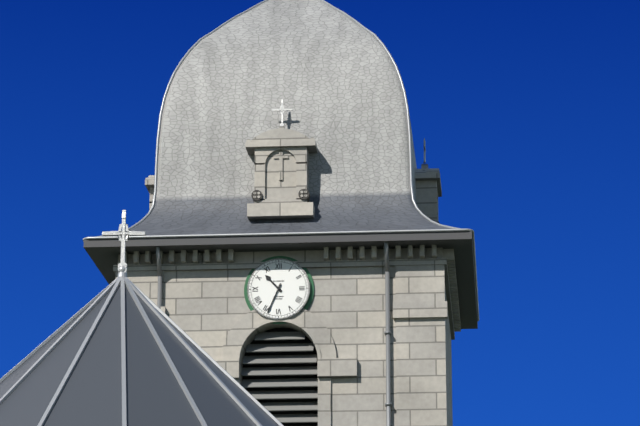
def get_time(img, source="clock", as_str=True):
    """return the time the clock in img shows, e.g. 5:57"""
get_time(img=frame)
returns 10:34
